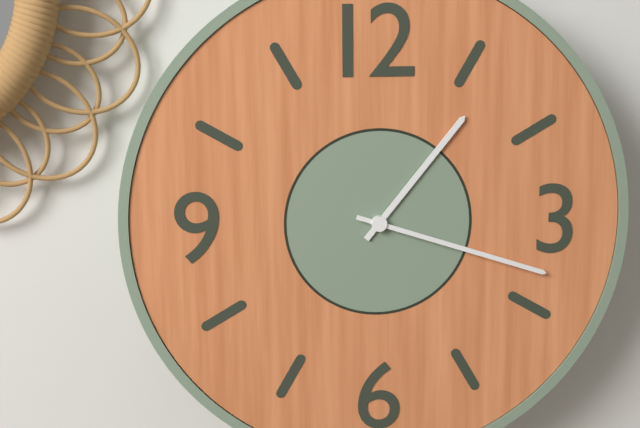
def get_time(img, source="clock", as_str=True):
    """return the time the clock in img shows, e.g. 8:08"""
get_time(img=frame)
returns 1:18
